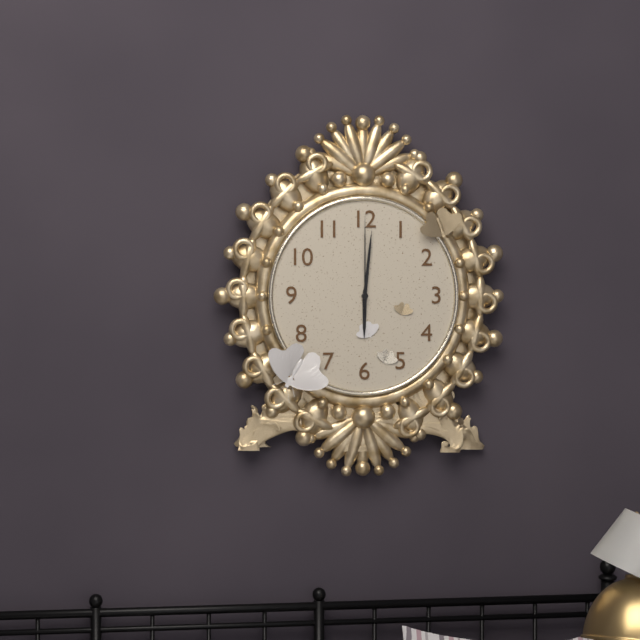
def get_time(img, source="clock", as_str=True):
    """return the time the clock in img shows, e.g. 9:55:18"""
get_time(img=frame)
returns 6:01:00
